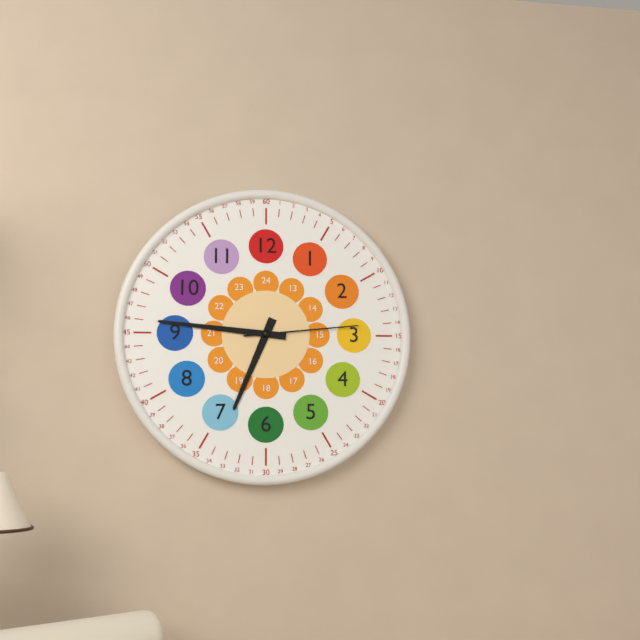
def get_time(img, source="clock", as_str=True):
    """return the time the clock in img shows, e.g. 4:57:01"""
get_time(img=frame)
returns 6:46:14
